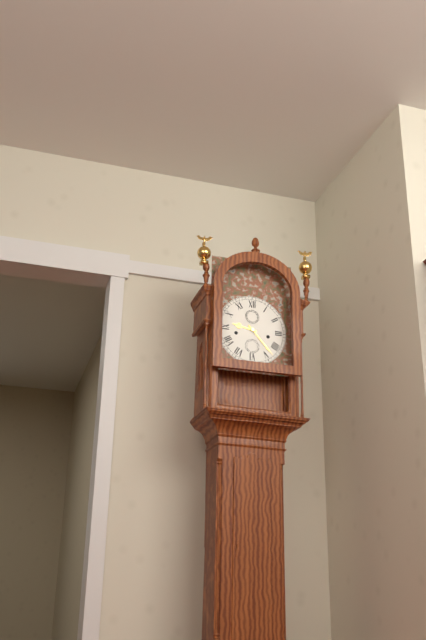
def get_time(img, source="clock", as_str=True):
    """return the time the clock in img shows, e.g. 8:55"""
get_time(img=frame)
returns 9:23
